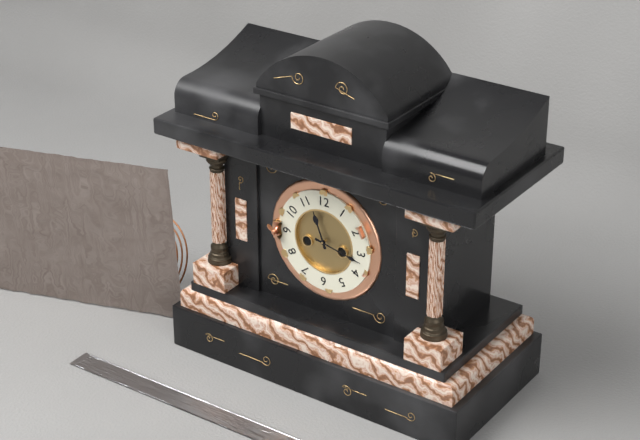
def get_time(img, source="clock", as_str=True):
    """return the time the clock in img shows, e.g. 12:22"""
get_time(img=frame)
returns 11:17
